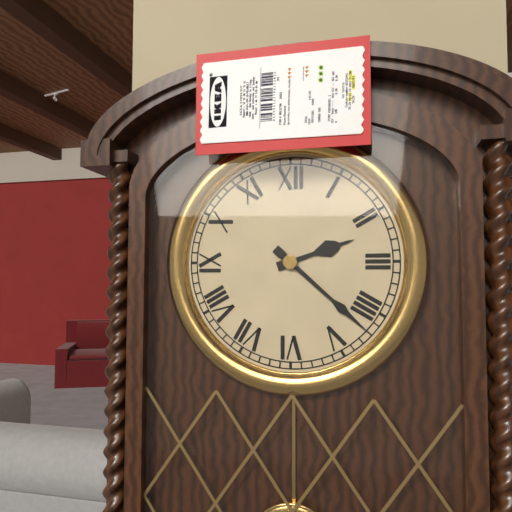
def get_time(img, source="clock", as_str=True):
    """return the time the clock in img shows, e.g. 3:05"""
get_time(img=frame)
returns 2:22
